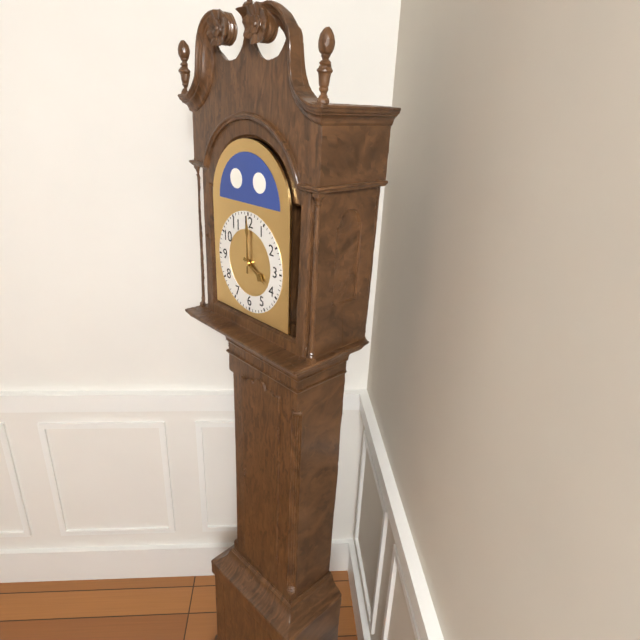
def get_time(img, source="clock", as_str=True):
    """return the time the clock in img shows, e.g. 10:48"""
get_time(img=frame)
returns 4:00
